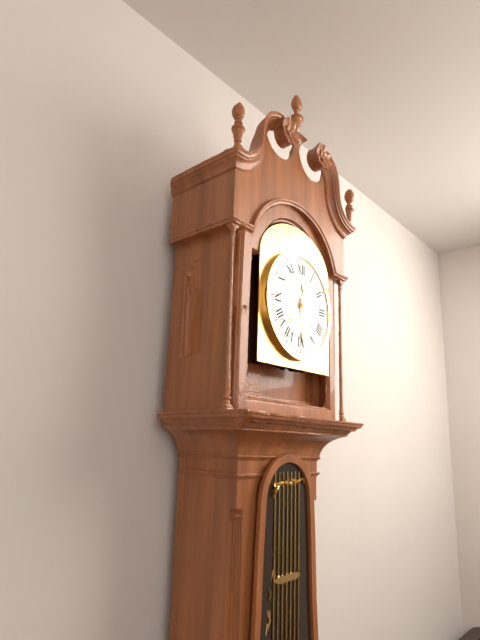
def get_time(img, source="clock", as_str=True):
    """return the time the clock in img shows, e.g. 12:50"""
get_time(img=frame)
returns 12:29
